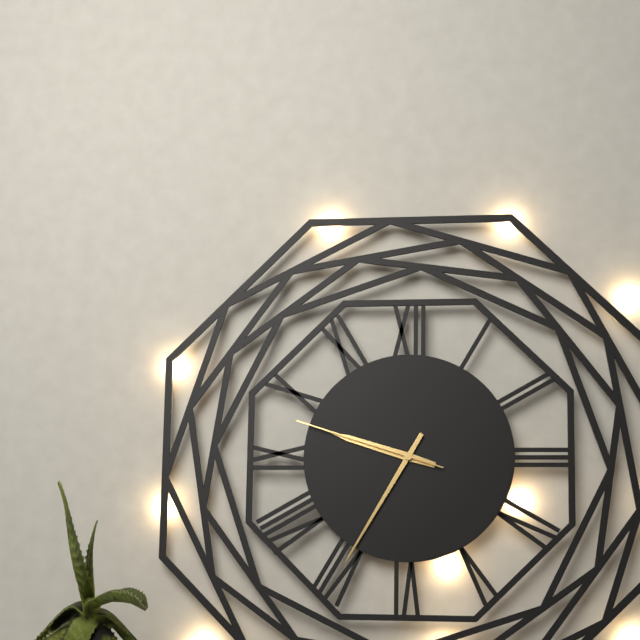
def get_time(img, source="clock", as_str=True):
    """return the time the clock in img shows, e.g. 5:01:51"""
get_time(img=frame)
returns 9:35:48
